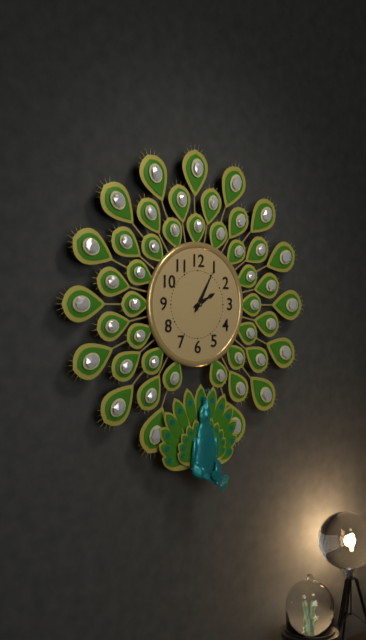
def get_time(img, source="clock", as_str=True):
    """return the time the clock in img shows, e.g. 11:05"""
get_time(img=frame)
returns 2:05
